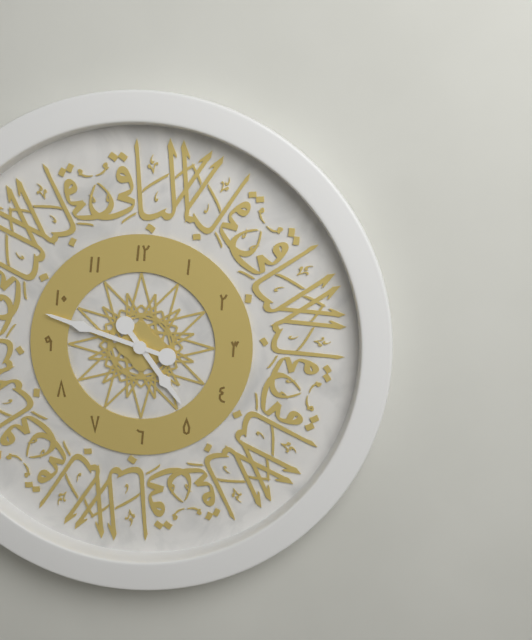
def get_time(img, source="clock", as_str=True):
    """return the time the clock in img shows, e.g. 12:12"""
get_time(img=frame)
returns 4:48
